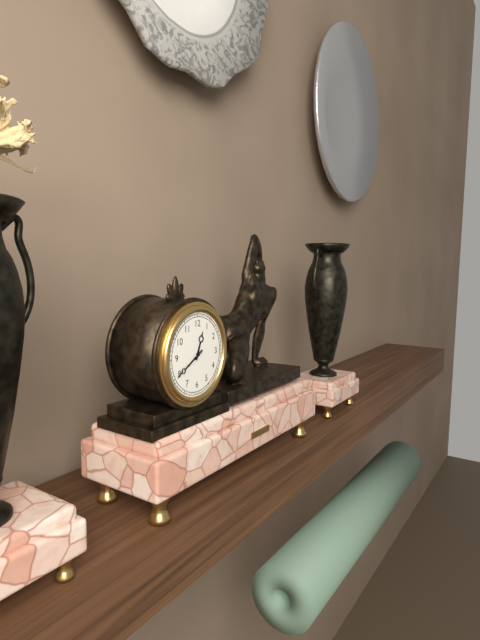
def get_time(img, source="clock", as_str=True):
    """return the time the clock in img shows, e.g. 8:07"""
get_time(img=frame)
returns 12:40
